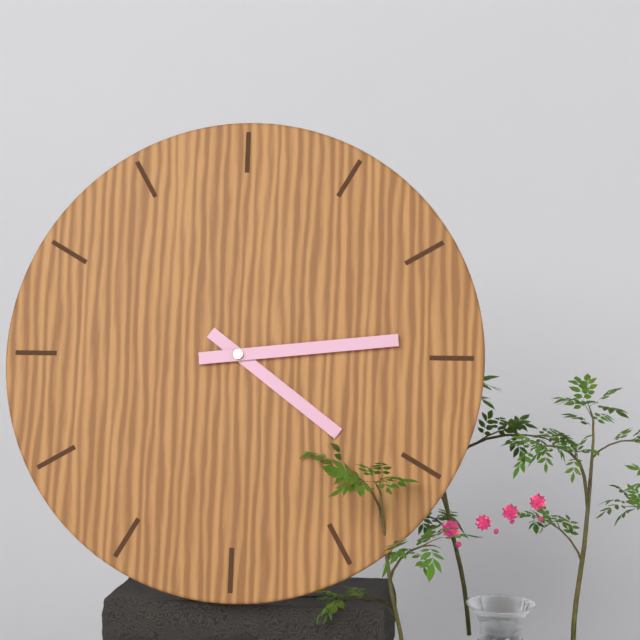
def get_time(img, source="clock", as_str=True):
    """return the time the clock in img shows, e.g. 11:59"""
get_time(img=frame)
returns 4:14
